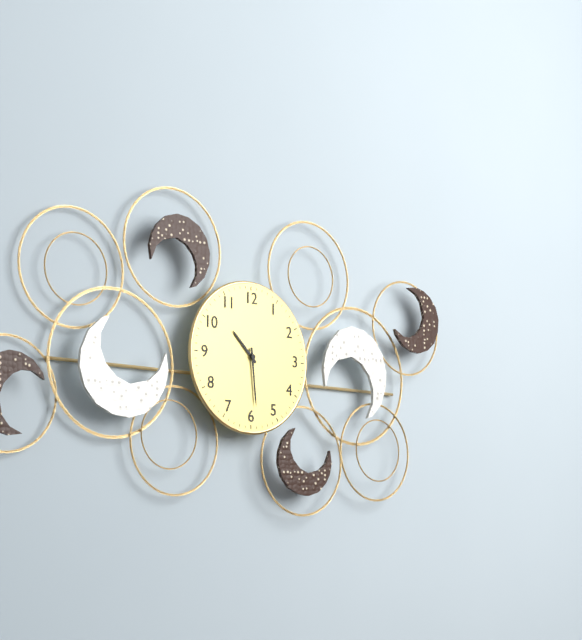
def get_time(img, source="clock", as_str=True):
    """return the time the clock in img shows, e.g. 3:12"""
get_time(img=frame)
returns 10:29
